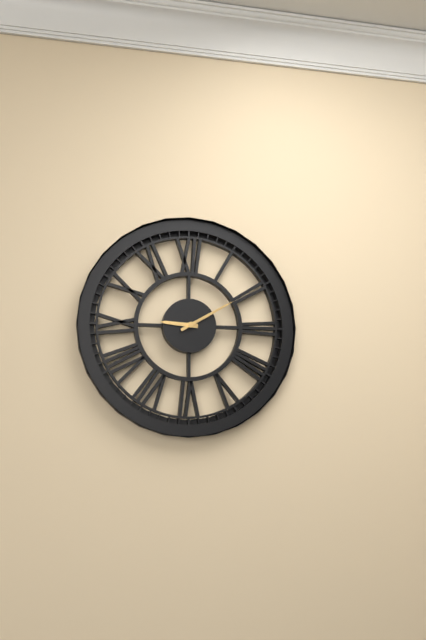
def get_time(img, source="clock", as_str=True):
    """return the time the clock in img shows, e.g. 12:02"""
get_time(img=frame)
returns 9:10
